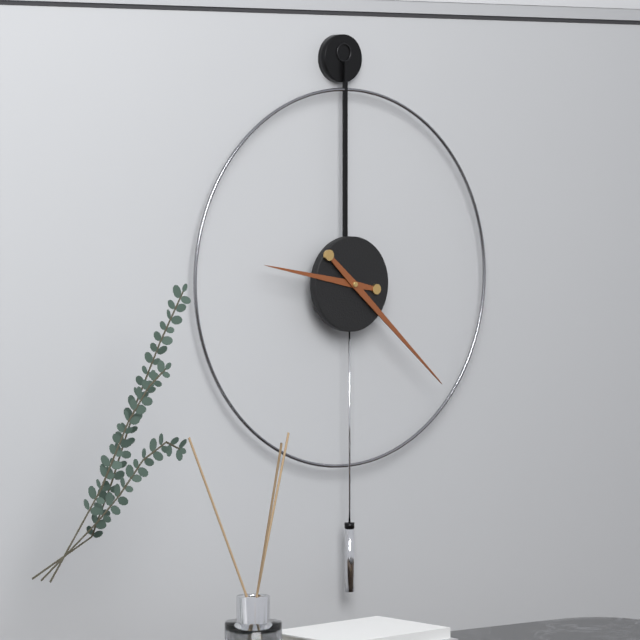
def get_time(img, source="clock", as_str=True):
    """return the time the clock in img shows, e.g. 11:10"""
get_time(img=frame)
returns 9:22
